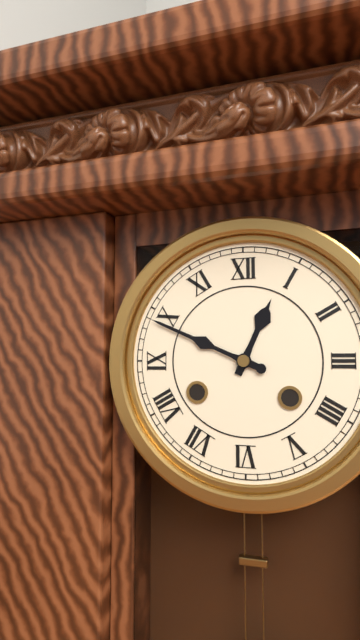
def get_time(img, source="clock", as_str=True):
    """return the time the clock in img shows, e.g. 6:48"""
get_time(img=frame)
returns 12:49
